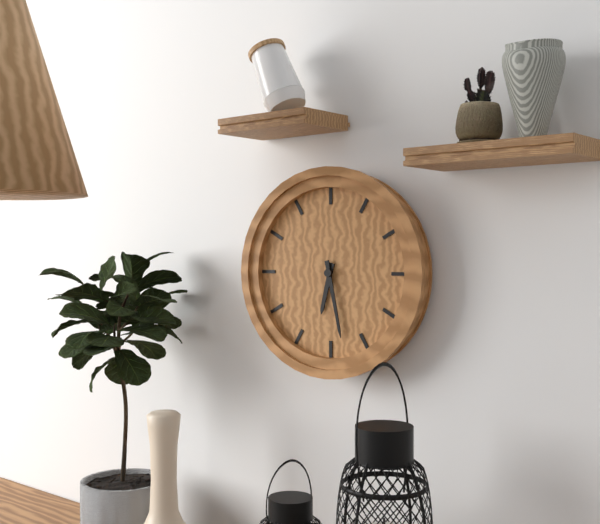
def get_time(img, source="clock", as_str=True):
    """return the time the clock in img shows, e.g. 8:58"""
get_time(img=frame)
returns 6:28
